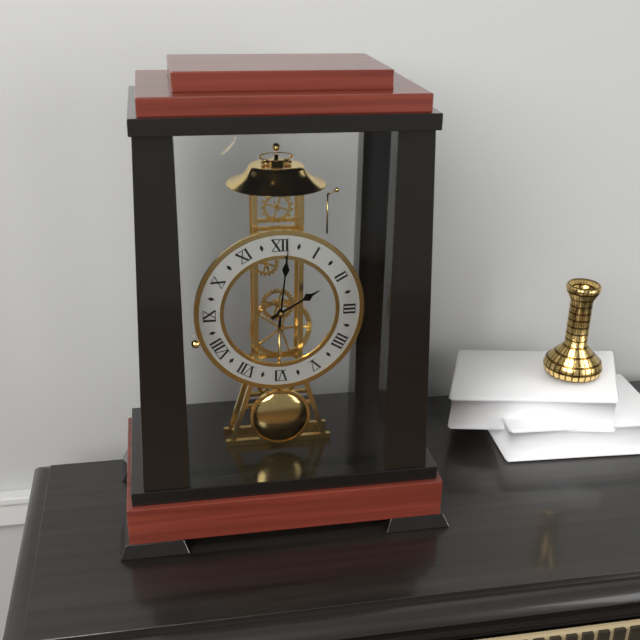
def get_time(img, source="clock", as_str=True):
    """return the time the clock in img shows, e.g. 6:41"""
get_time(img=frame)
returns 2:01
